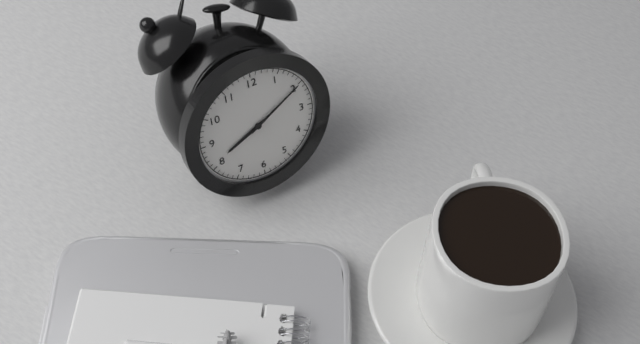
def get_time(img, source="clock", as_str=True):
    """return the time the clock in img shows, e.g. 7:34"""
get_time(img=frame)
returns 8:10
